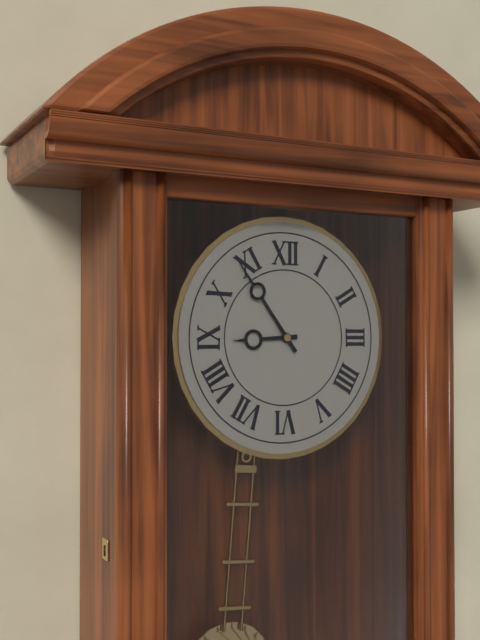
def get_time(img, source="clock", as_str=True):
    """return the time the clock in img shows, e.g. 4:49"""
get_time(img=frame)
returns 8:54
